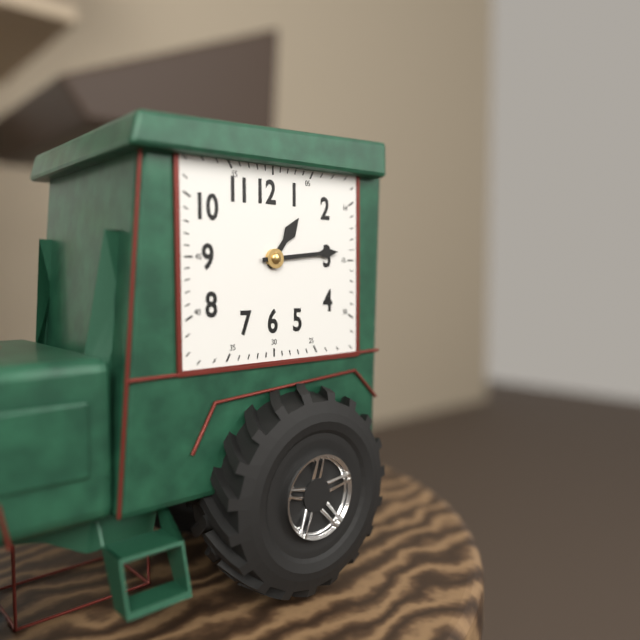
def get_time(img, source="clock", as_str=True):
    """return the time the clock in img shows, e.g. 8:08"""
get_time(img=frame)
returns 1:14
